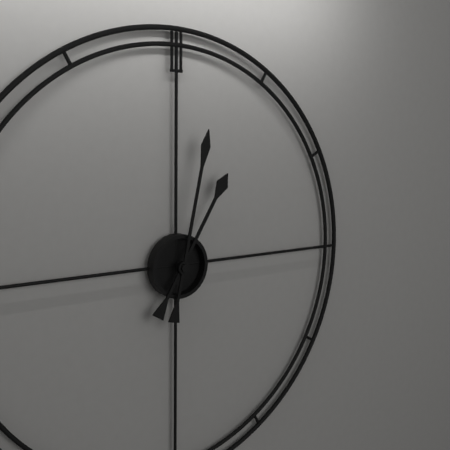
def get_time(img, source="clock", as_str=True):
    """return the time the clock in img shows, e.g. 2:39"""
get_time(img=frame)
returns 1:02
